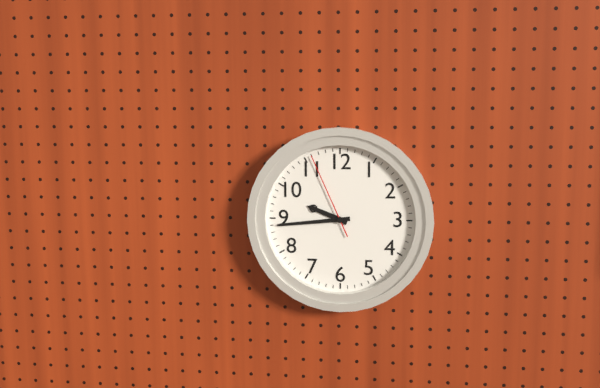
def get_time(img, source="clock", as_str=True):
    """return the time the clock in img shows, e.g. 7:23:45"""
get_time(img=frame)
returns 9:44:56
